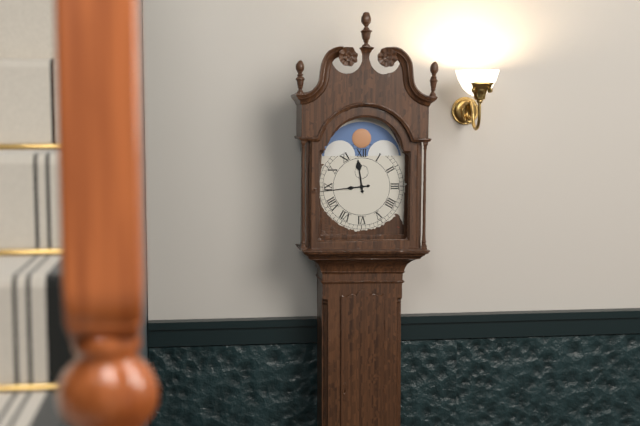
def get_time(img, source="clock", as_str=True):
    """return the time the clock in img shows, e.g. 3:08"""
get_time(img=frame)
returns 11:44
